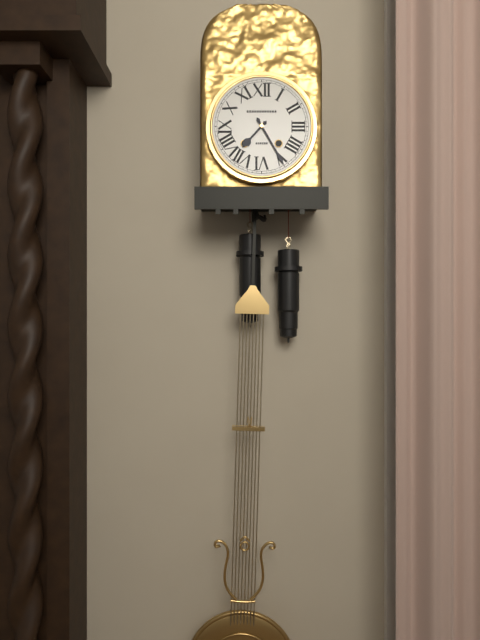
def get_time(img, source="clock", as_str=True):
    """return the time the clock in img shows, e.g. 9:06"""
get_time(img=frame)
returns 7:25
